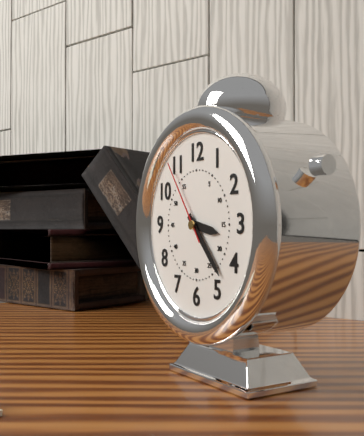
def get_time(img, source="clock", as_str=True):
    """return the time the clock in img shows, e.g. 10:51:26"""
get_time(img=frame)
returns 3:23:54
